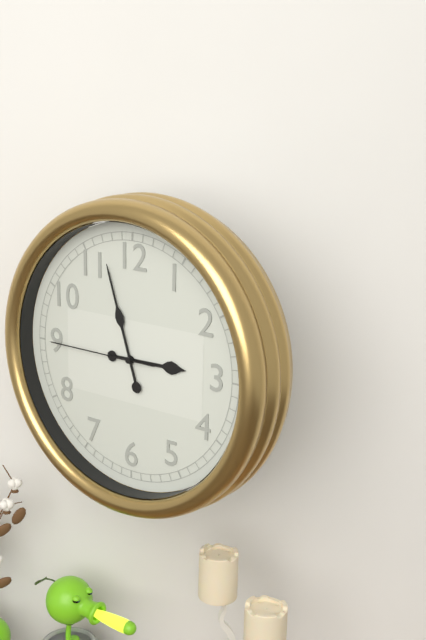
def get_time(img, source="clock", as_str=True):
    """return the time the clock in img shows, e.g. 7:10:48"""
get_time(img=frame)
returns 2:57:45
